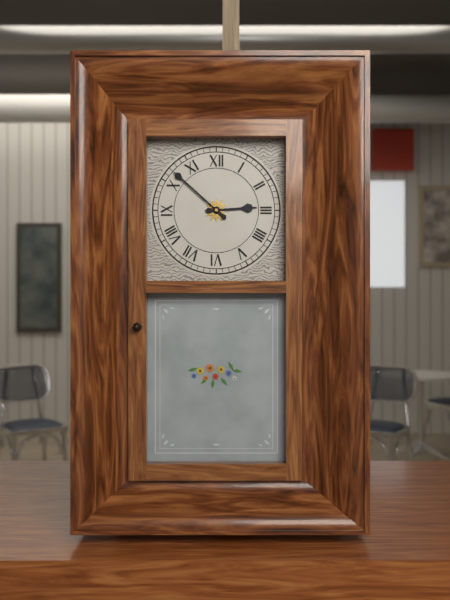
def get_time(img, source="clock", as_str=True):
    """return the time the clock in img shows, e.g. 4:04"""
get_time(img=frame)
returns 2:52
